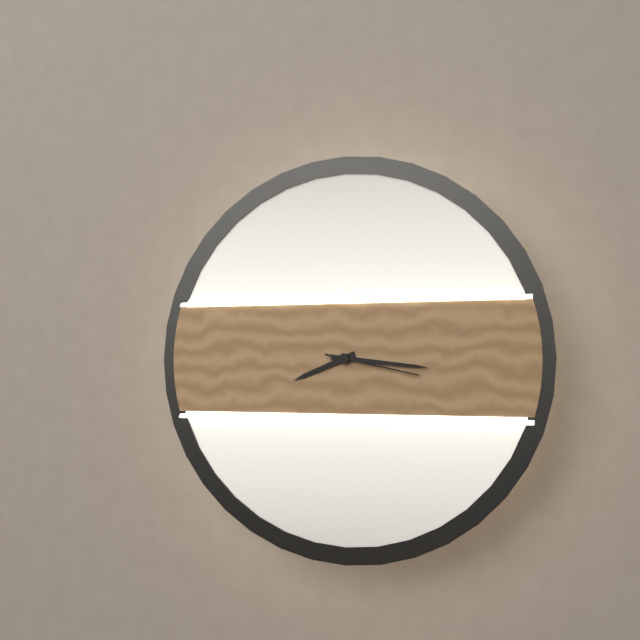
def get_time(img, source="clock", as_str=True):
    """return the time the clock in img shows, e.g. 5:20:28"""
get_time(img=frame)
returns 8:16:17
